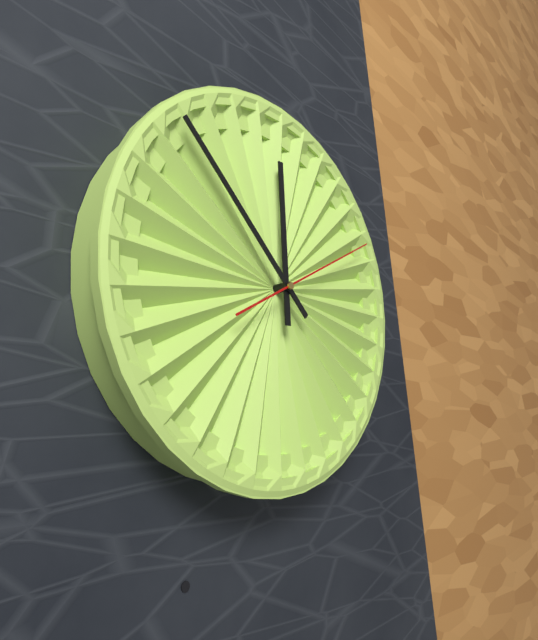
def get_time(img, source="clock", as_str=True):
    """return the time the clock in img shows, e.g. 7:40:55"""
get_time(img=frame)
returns 11:52:10
